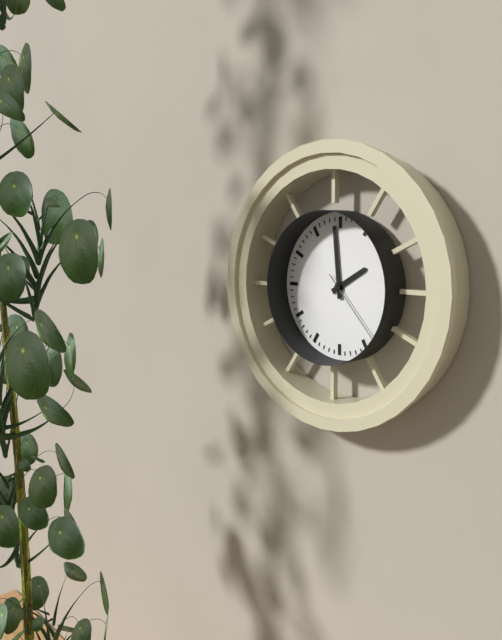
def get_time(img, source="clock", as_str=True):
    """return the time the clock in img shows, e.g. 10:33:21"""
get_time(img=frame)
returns 1:59:23
